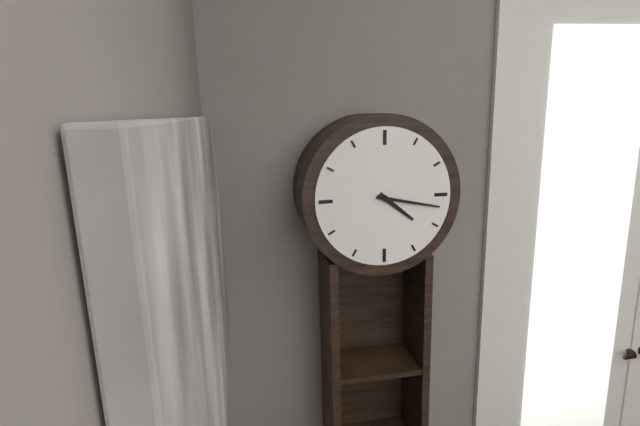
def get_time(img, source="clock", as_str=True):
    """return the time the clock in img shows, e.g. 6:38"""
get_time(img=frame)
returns 4:17
